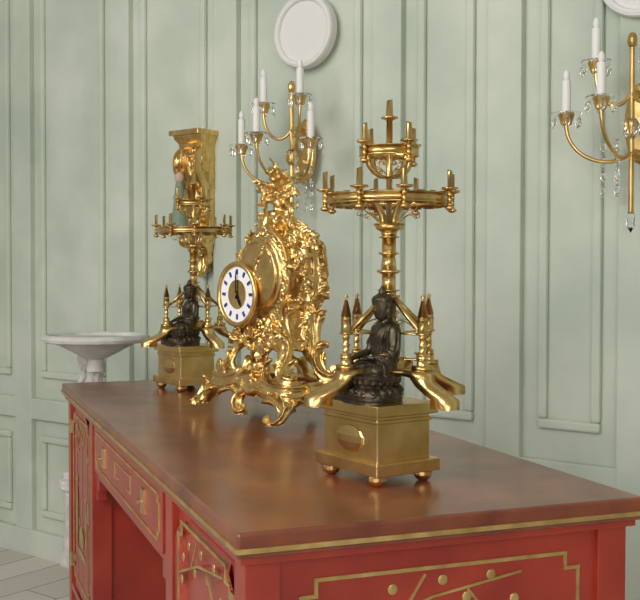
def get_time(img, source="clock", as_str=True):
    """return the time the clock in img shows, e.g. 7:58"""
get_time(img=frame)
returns 5:00
